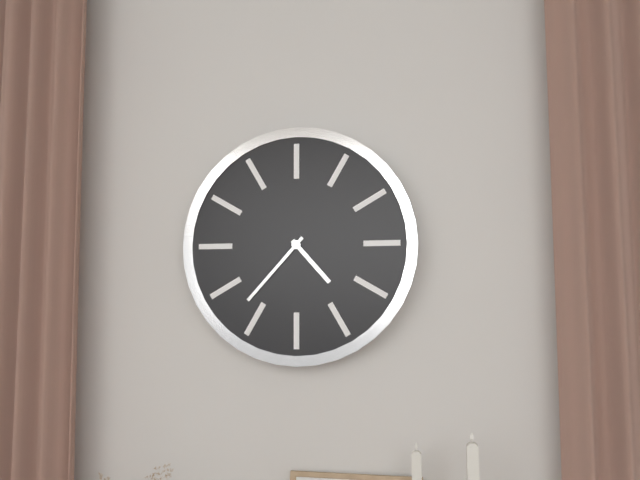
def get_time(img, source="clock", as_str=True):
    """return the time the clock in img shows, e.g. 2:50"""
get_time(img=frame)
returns 4:37
